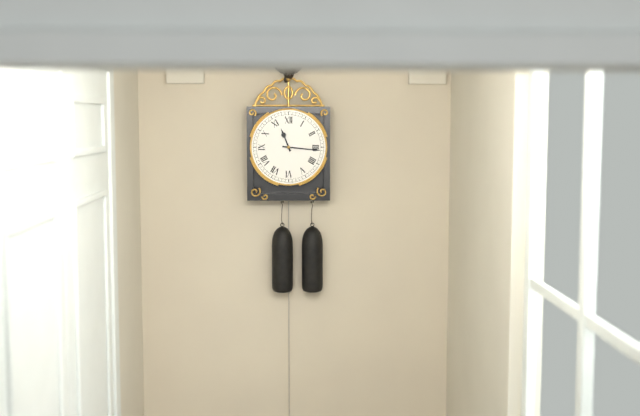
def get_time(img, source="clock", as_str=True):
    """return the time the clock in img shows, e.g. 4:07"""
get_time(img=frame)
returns 11:16
